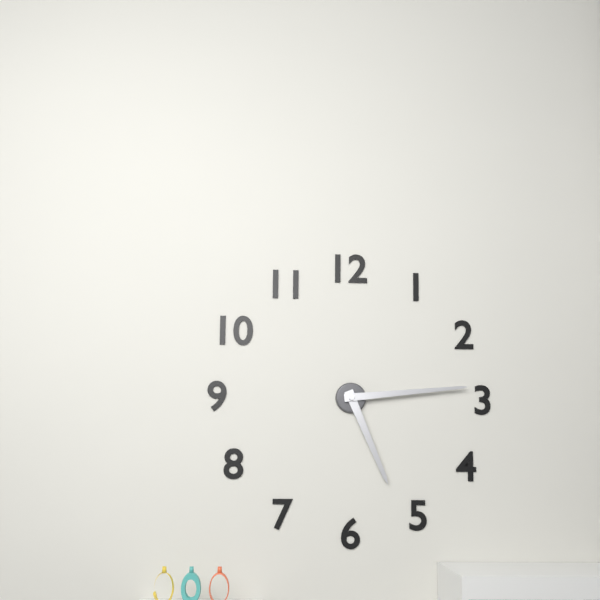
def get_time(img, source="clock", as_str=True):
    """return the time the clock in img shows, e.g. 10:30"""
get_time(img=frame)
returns 5:14
